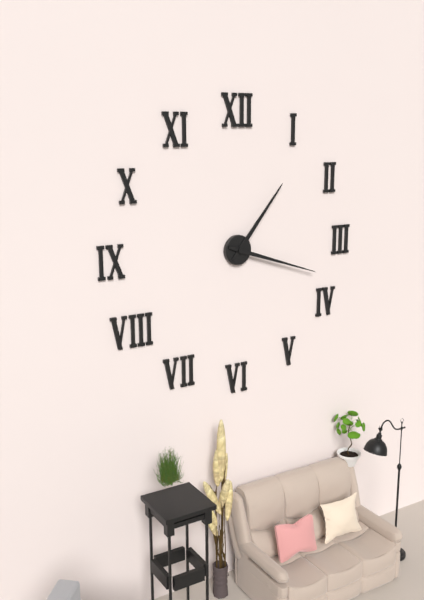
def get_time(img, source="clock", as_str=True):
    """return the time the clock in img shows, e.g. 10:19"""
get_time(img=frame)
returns 1:18
